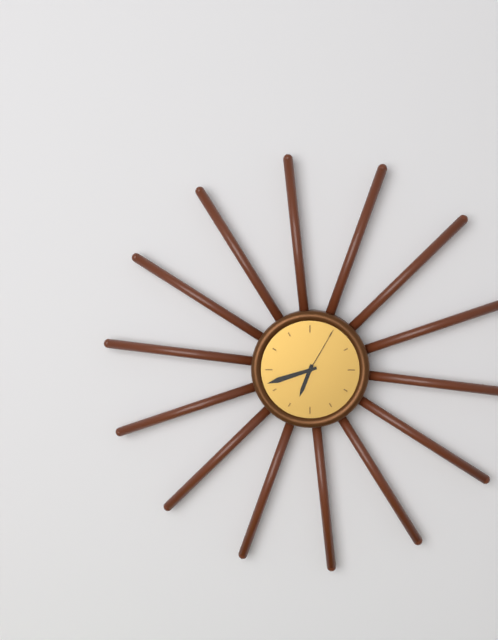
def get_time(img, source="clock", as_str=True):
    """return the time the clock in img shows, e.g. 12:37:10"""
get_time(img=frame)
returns 6:42:05
